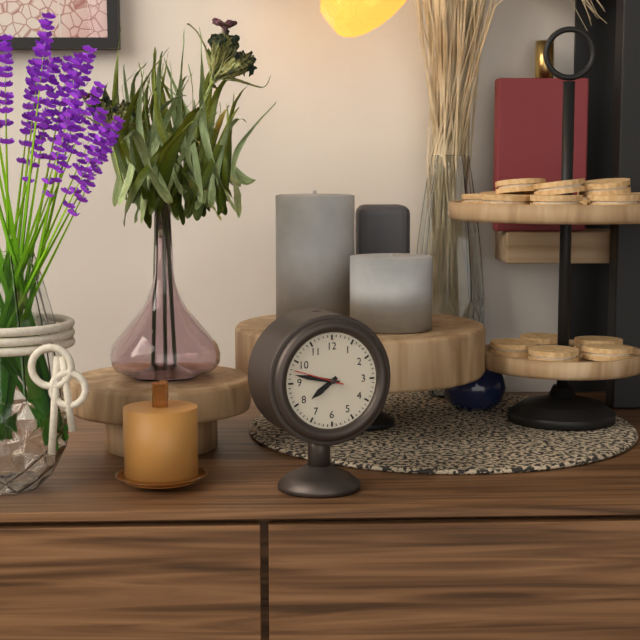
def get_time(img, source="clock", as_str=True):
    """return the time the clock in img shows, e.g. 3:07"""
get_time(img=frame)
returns 7:47
